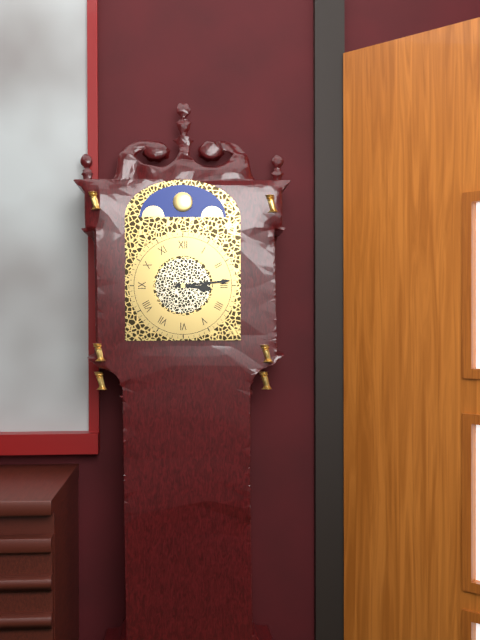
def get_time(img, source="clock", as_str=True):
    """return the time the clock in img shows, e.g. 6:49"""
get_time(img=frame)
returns 3:14
